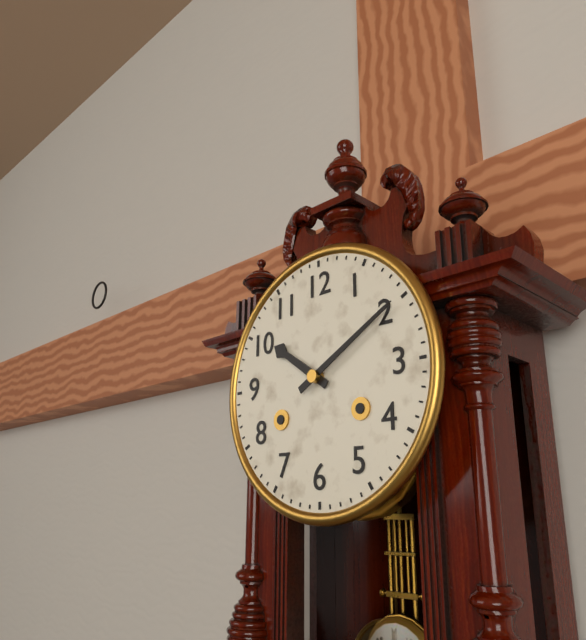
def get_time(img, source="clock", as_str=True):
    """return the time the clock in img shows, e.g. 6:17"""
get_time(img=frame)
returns 10:10
